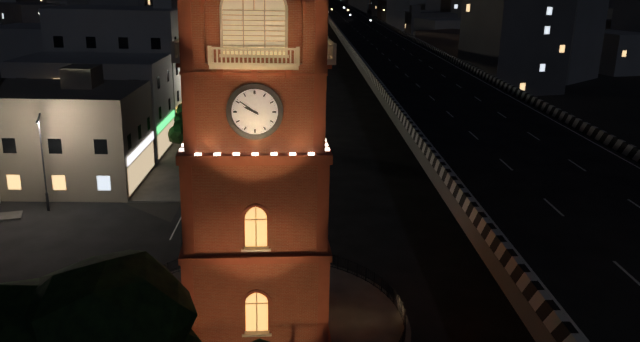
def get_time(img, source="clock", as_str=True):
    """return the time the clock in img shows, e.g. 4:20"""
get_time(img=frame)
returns 9:51
